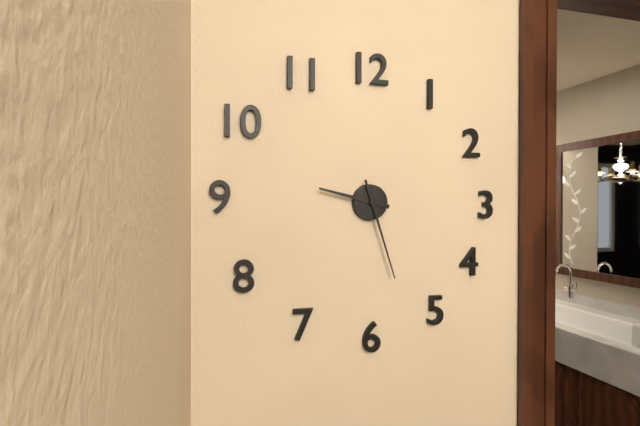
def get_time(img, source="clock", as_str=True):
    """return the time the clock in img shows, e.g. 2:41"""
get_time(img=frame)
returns 9:27
